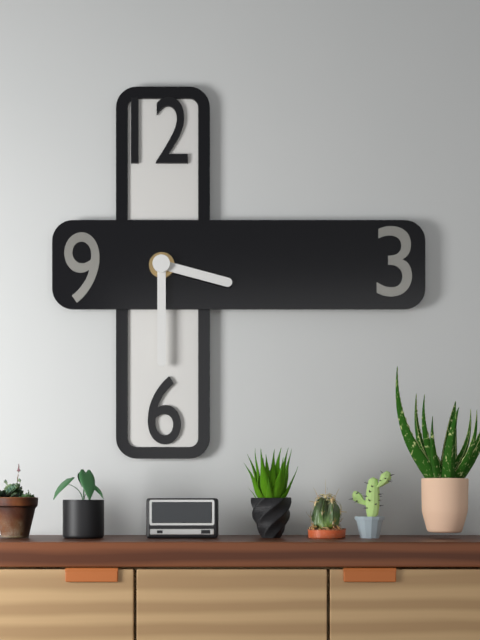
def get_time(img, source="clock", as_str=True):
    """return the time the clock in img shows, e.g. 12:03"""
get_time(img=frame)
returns 3:30
